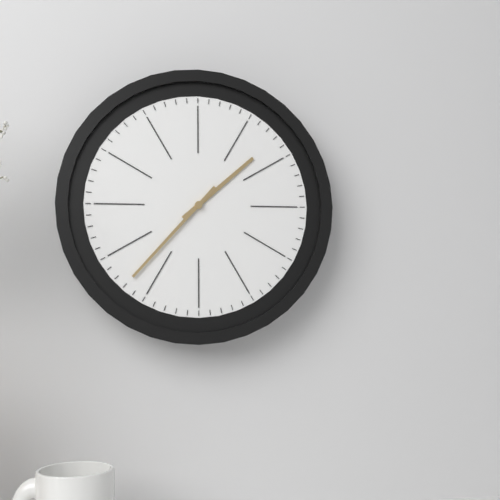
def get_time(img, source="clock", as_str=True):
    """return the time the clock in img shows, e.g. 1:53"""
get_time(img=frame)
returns 1:37
